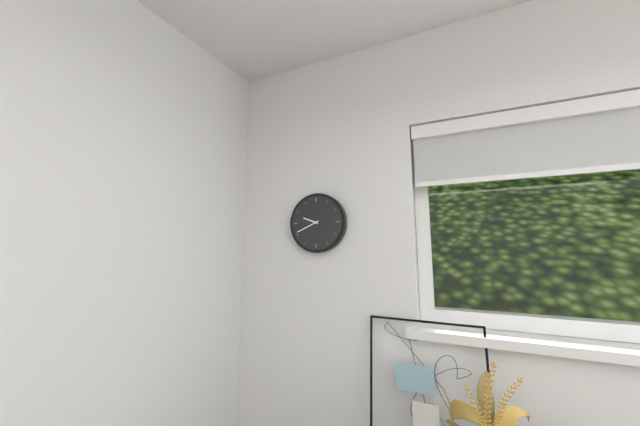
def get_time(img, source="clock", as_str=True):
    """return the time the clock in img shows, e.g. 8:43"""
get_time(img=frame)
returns 9:41
